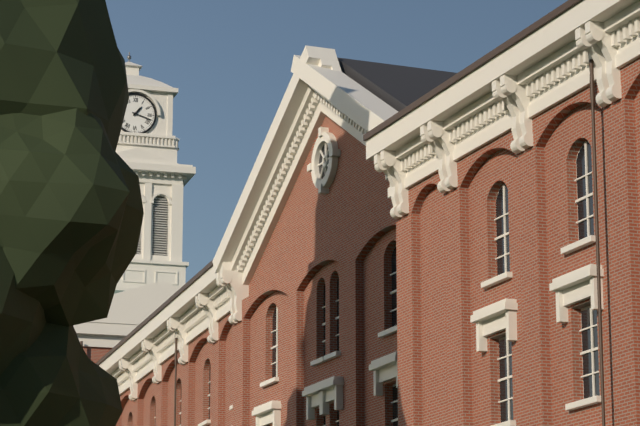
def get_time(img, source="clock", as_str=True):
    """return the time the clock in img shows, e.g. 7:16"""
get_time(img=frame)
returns 1:18
